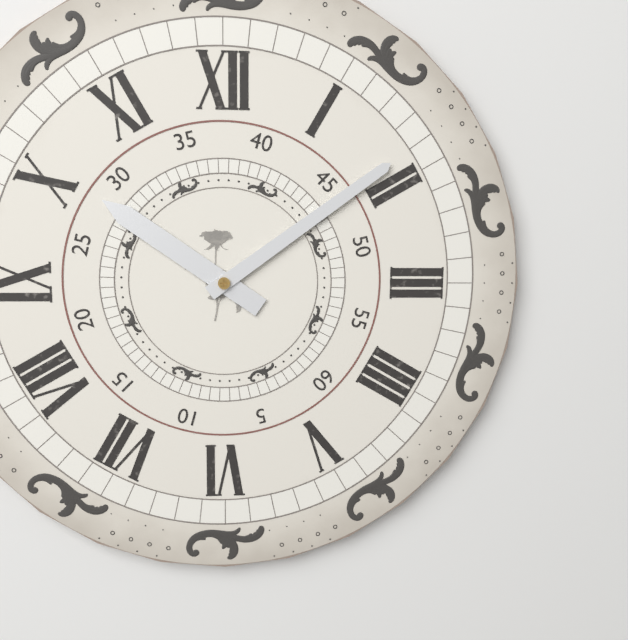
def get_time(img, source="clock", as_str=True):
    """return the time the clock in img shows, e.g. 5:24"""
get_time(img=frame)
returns 10:09
